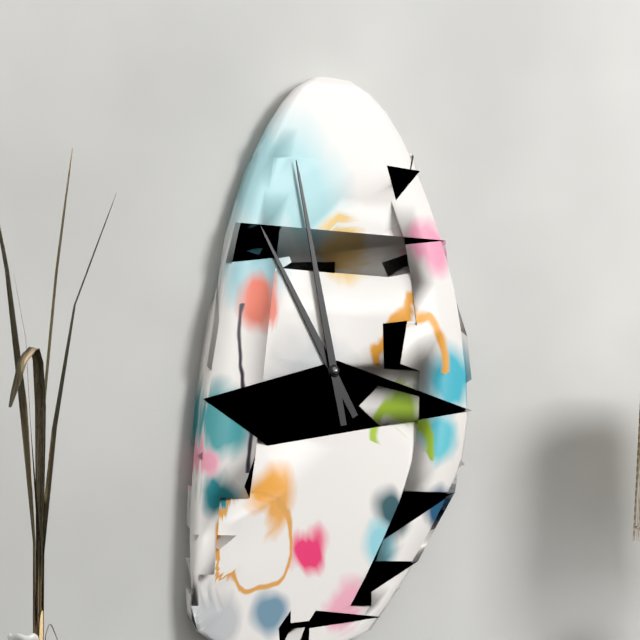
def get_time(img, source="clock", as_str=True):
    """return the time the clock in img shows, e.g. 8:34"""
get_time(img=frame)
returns 10:58
